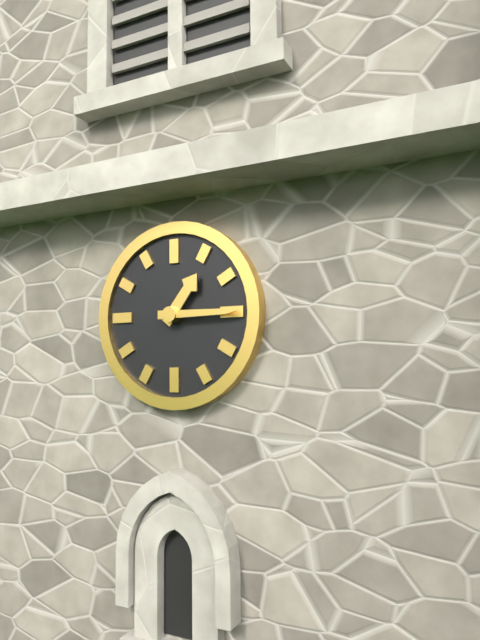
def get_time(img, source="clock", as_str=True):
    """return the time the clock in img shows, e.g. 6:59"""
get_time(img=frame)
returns 1:15
